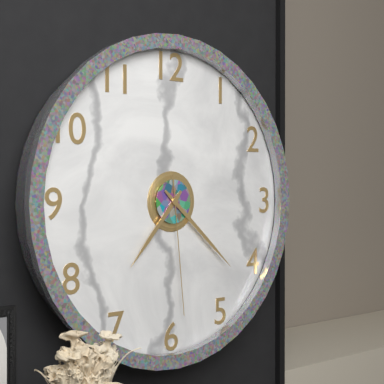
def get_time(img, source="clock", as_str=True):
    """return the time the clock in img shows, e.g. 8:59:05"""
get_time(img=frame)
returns 7:22:29
